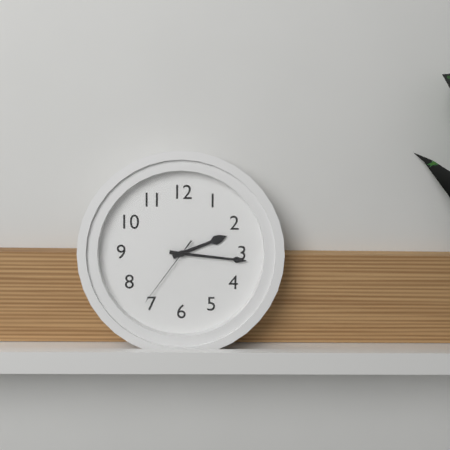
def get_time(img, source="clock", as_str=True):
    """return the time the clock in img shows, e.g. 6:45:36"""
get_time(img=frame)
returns 2:16:36
